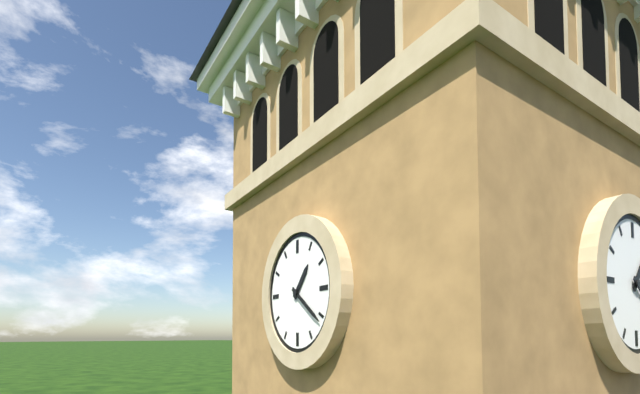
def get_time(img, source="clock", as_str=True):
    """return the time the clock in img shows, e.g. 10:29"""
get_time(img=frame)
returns 1:21
